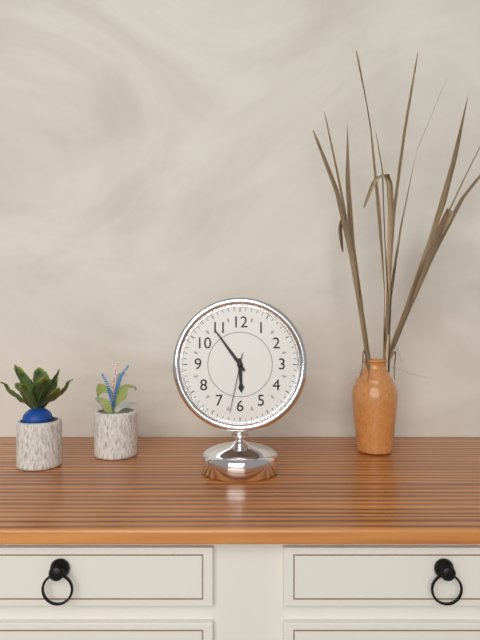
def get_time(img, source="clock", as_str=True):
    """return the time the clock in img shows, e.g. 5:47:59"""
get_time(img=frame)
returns 5:54:32
